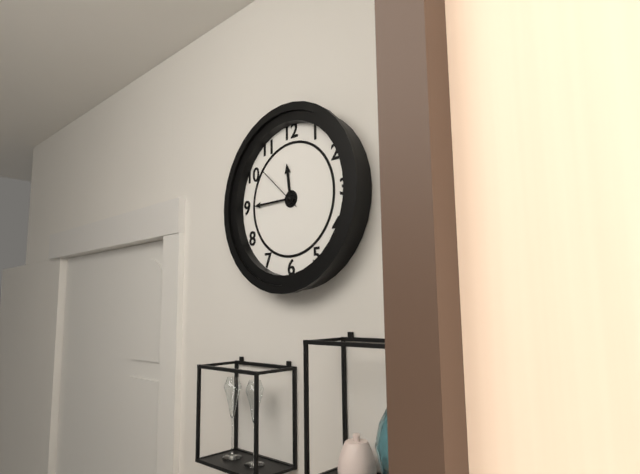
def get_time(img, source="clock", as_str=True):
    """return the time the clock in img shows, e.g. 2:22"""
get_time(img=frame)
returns 11:45
